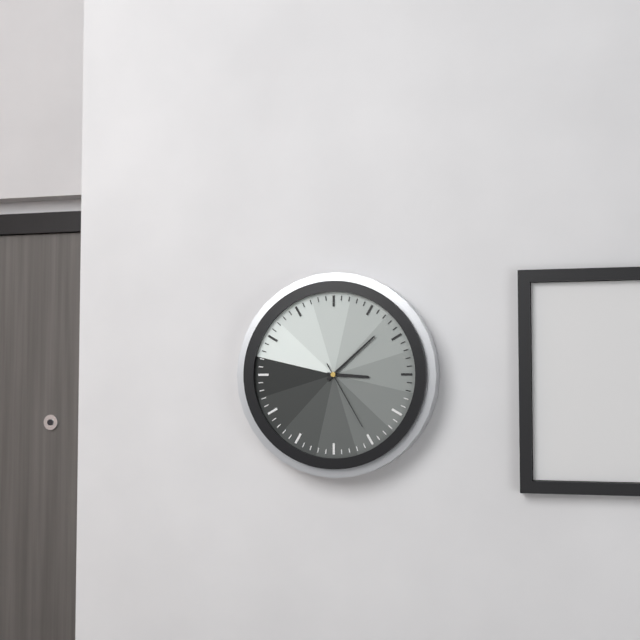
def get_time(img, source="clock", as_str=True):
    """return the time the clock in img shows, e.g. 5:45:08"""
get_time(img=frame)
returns 3:08:25
